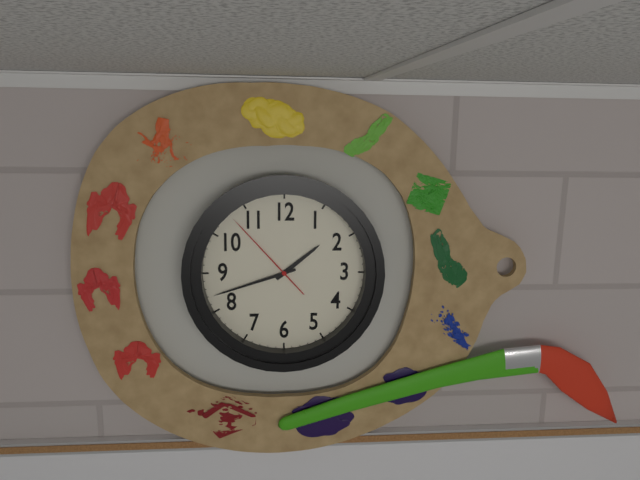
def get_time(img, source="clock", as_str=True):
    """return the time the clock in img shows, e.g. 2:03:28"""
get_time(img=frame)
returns 1:42:53
